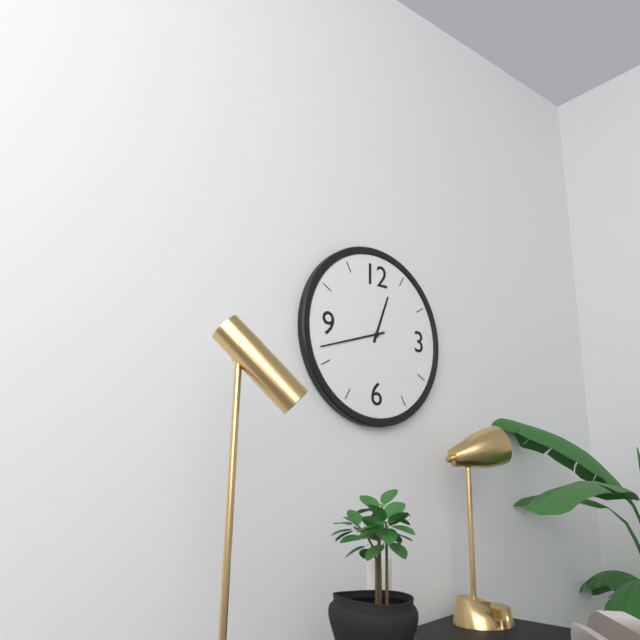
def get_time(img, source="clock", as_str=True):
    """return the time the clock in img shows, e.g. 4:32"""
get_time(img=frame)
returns 12:42
